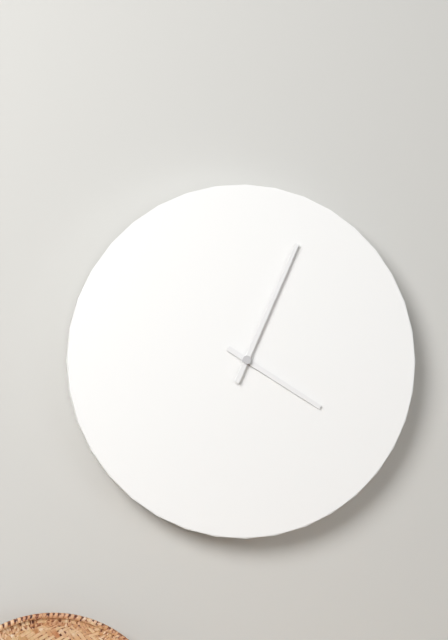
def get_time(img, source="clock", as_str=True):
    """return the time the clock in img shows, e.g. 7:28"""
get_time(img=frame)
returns 4:04
